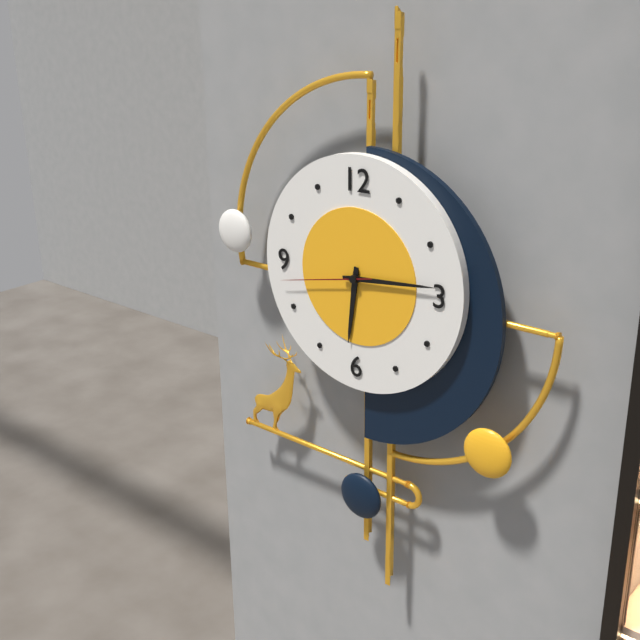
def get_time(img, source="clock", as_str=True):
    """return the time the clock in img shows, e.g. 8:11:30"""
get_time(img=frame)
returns 6:14:43
